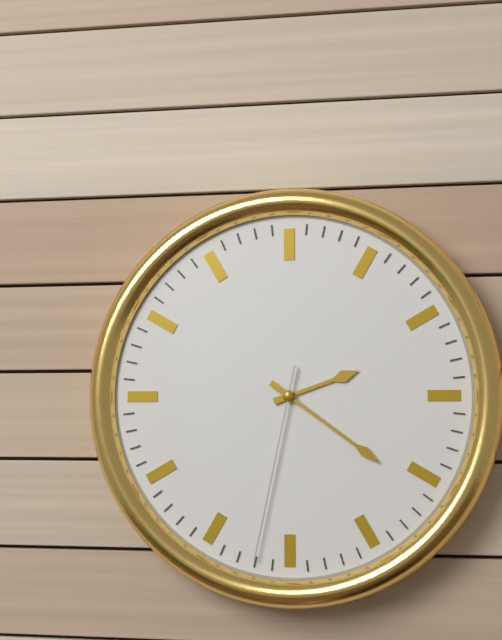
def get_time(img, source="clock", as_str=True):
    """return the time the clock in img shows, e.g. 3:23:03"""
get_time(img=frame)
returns 2:21:32
